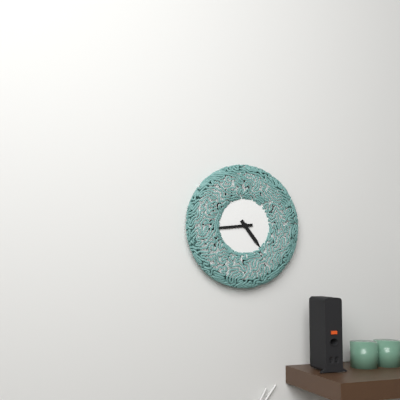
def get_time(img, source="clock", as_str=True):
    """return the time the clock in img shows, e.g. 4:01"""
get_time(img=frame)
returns 4:44
